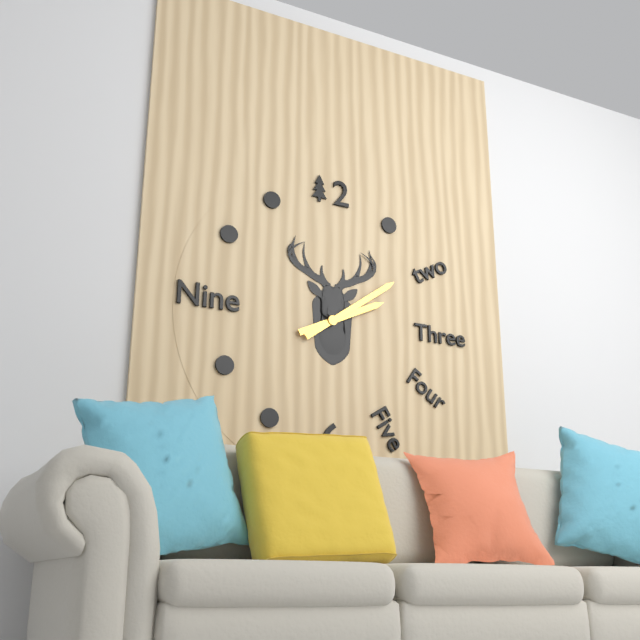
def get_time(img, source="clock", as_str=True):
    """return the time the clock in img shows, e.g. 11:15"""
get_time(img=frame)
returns 2:09
